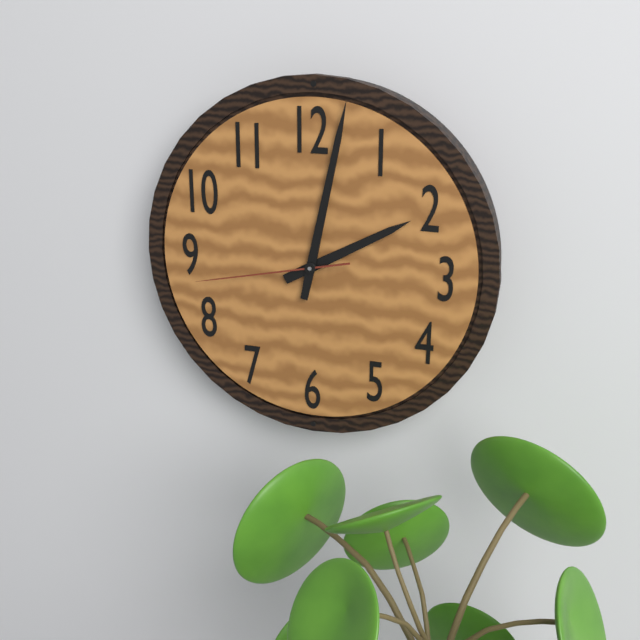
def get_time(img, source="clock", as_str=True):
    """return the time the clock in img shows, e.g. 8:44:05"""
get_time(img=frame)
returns 2:02:43
